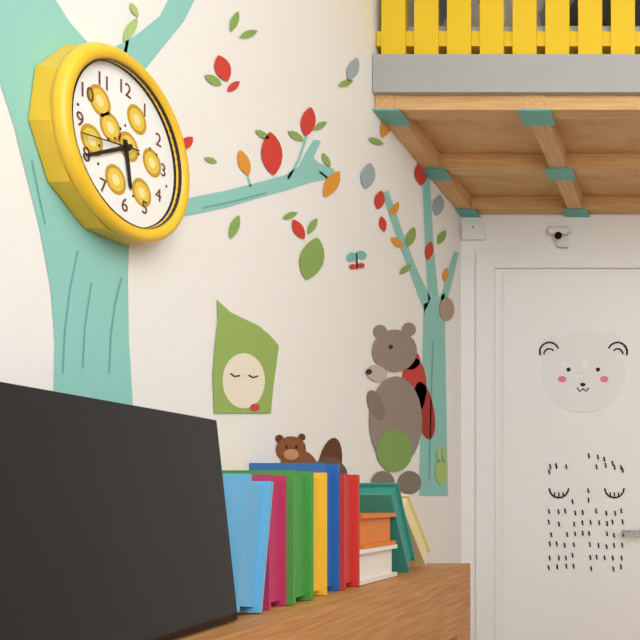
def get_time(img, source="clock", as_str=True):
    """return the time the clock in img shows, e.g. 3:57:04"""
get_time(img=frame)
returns 5:40:43
